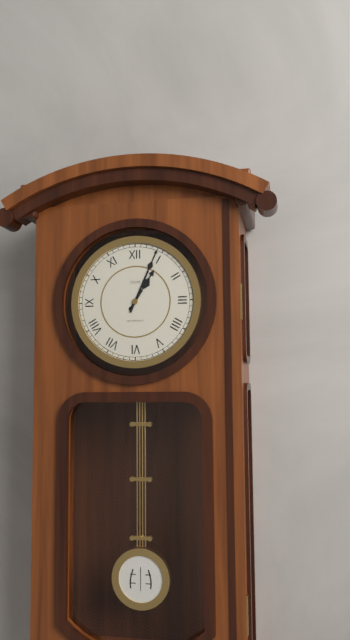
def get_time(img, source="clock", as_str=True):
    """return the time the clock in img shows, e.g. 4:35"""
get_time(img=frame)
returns 1:04
